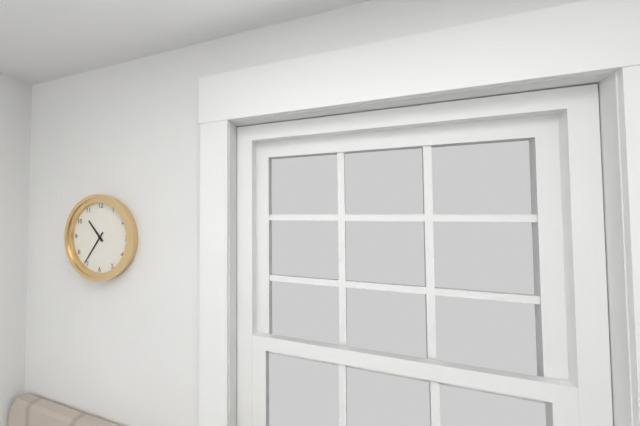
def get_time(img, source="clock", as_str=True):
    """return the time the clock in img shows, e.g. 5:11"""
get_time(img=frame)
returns 10:36
